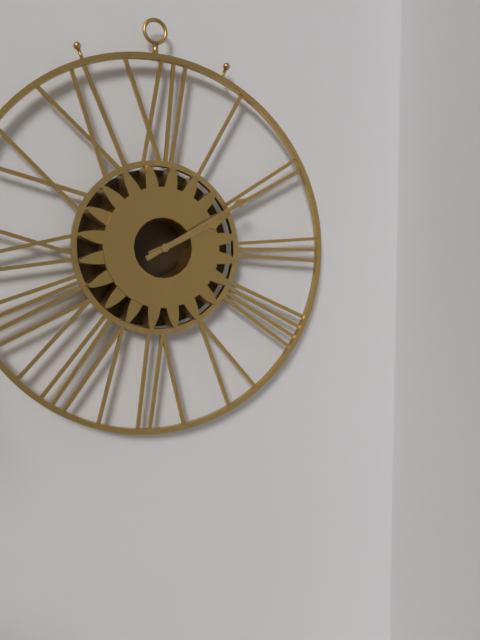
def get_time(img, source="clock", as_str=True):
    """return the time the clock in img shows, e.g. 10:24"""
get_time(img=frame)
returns 2:10
